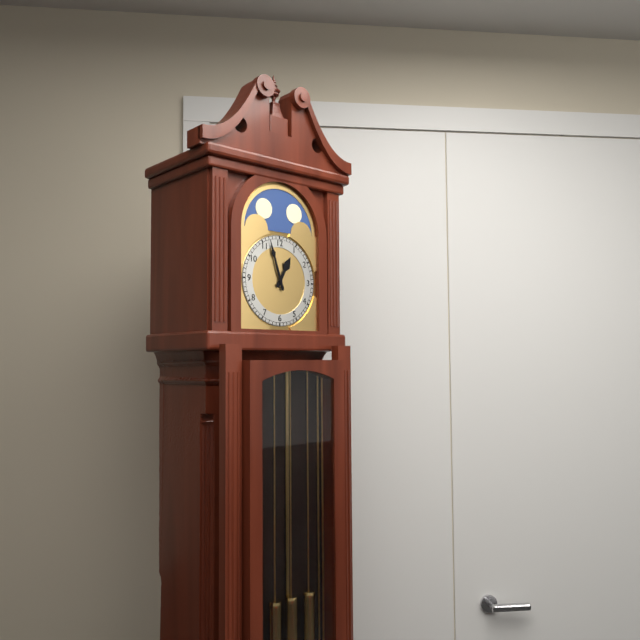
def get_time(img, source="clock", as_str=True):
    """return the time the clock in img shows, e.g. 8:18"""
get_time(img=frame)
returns 12:57
